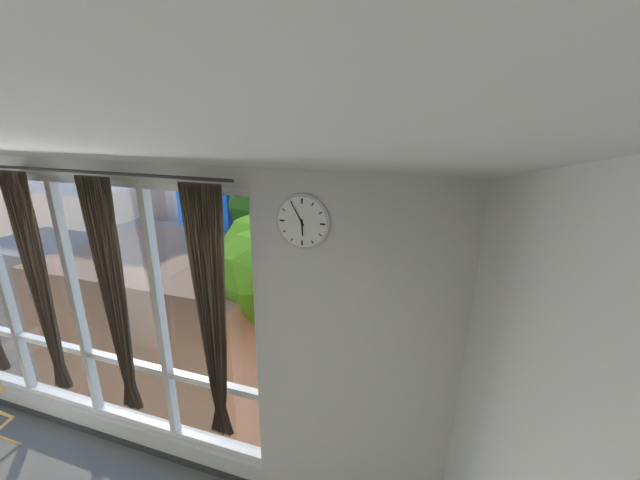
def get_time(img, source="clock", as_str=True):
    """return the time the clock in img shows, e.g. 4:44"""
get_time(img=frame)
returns 5:55
